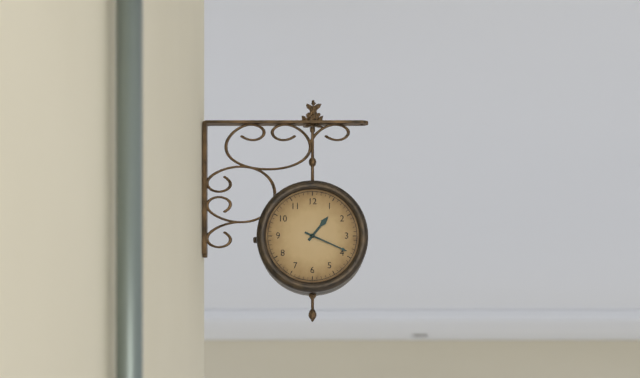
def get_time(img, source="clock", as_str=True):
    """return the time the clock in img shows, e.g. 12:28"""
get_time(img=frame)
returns 1:19
